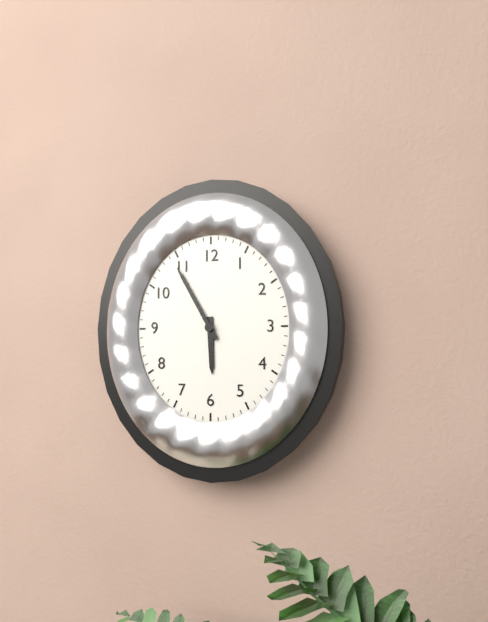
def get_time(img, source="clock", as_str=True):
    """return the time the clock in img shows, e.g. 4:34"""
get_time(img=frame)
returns 5:55
